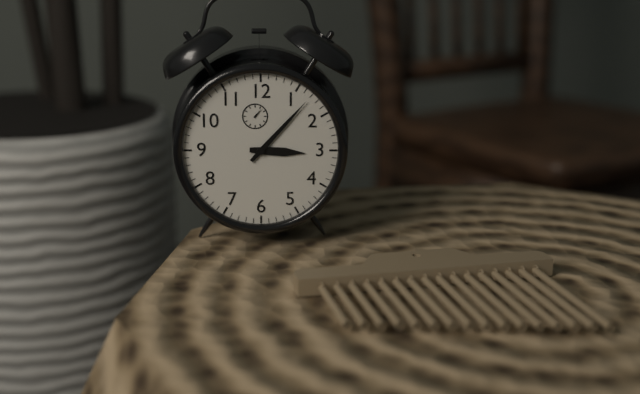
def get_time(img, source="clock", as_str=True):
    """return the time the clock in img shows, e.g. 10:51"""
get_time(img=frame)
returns 3:07
